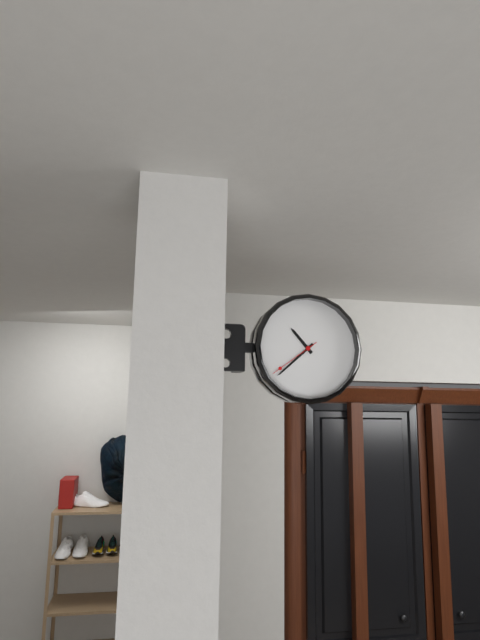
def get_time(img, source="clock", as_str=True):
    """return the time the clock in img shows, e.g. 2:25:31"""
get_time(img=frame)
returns 10:38:39
